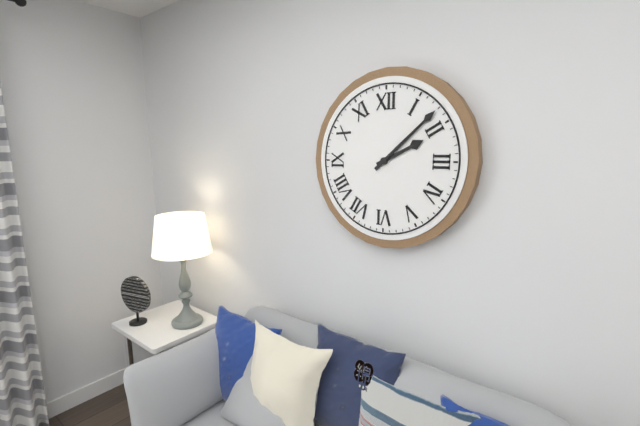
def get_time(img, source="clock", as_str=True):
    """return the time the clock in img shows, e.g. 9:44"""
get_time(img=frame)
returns 2:08
